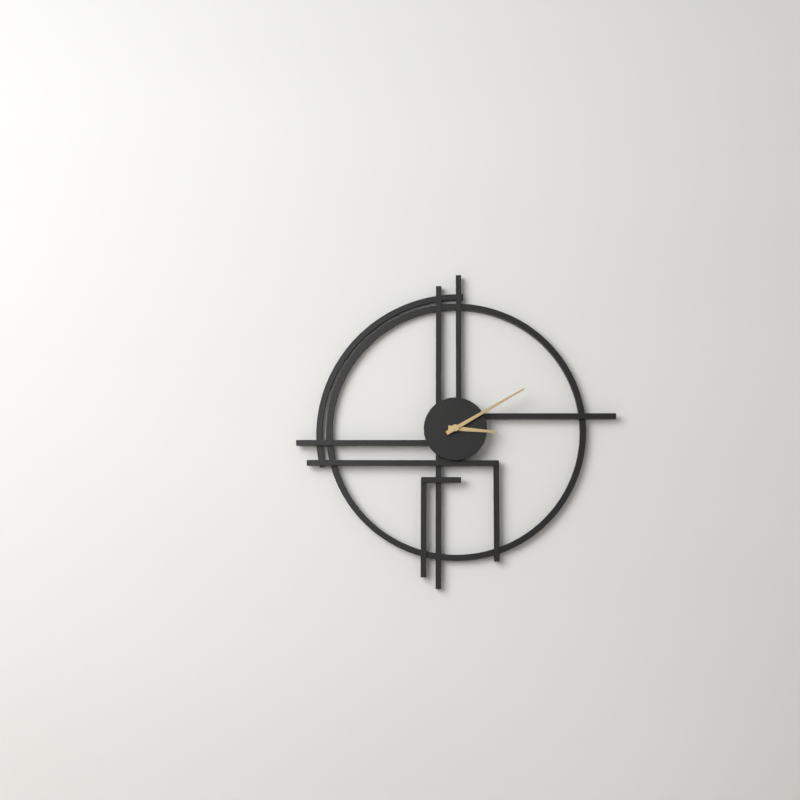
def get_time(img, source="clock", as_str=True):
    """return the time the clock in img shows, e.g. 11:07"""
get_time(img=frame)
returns 3:10
